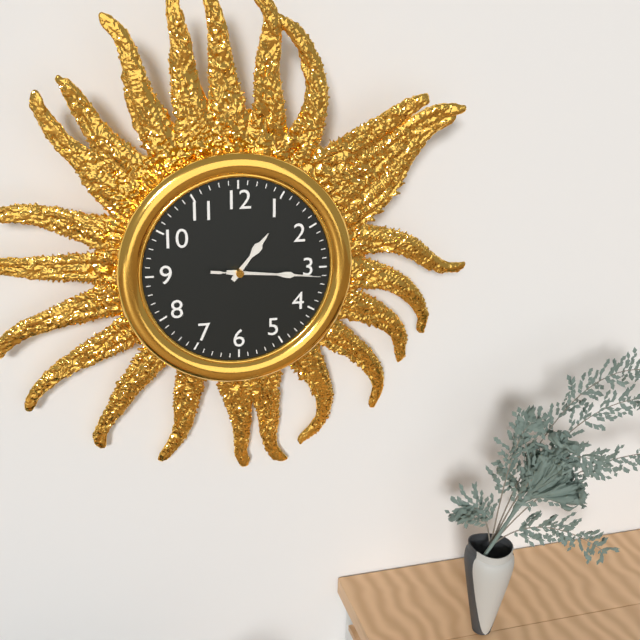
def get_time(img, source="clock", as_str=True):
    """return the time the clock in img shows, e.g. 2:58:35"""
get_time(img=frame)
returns 1:16:16
